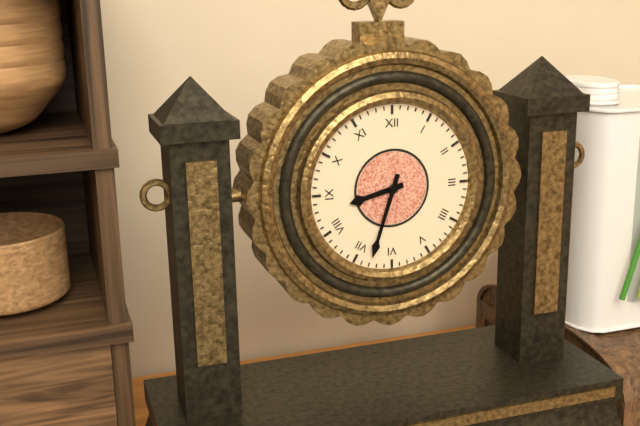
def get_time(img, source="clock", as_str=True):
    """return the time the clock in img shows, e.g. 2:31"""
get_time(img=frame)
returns 8:33
